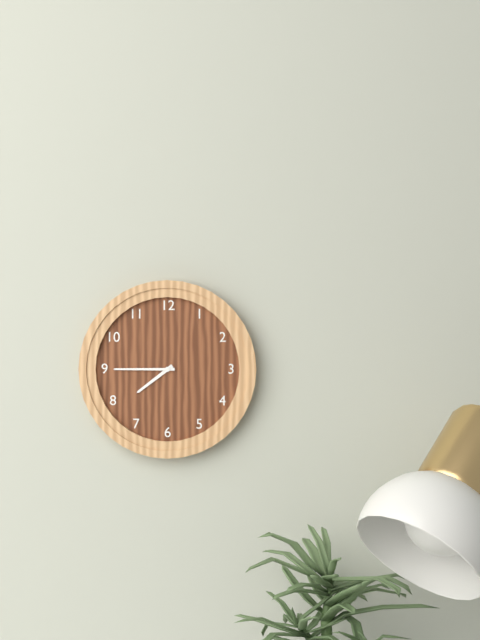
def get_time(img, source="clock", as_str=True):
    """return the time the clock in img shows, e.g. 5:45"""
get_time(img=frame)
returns 7:45
